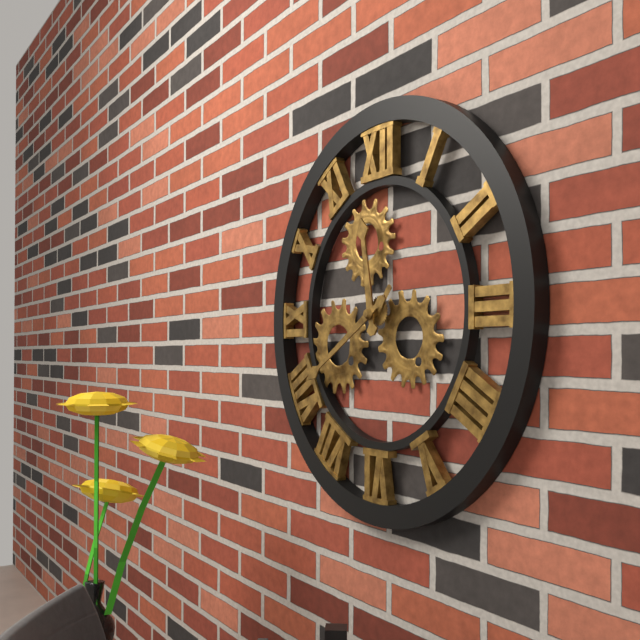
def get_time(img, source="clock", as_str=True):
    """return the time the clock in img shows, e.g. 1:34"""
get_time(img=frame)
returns 11:40
